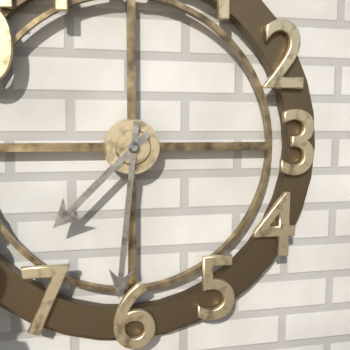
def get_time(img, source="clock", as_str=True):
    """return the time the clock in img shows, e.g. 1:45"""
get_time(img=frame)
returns 7:31
